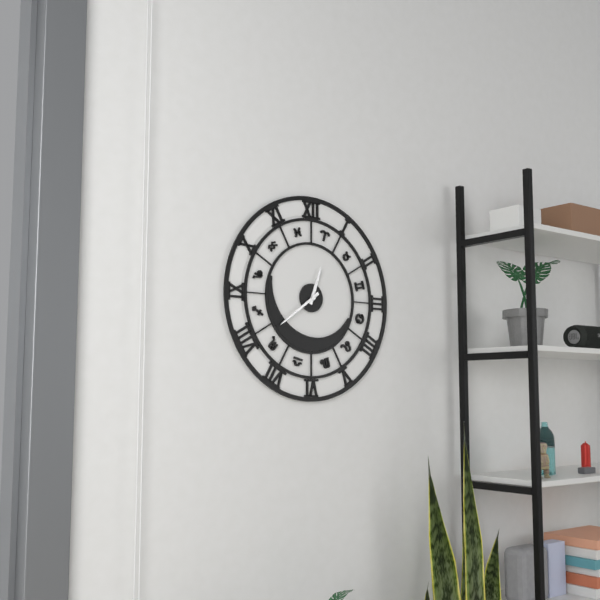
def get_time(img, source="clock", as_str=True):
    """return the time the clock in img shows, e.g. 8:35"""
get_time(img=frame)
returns 12:39
